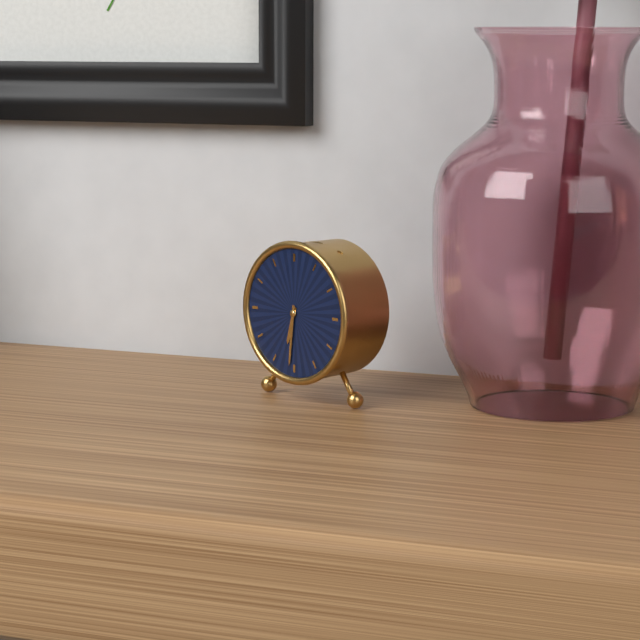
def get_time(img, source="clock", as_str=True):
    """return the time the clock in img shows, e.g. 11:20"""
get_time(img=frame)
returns 6:31
